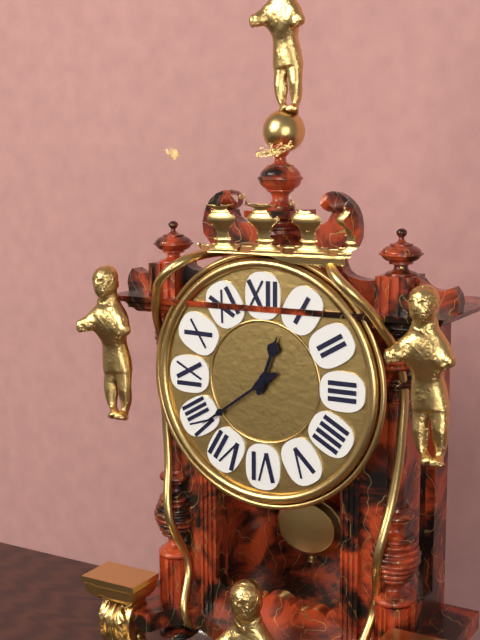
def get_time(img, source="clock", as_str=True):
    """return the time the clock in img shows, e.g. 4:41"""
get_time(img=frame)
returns 12:39
